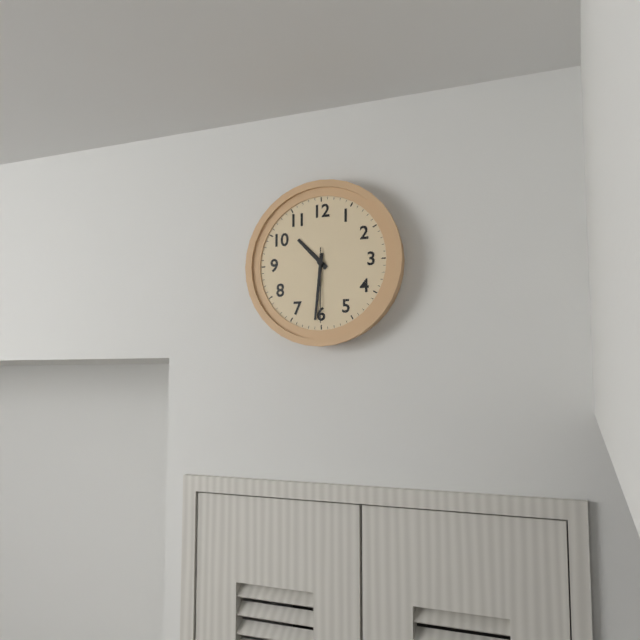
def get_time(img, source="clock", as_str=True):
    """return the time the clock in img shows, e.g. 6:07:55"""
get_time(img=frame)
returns 10:31:30
